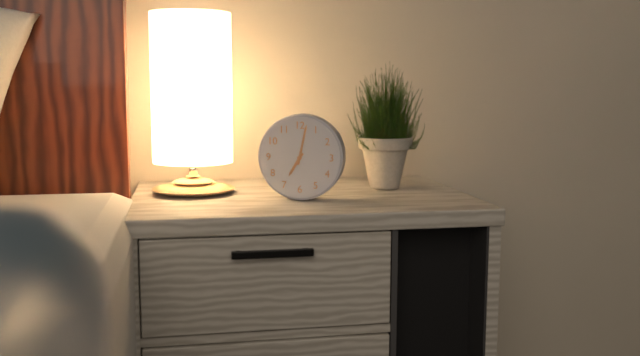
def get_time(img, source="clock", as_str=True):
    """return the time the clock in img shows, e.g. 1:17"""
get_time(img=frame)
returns 7:02
